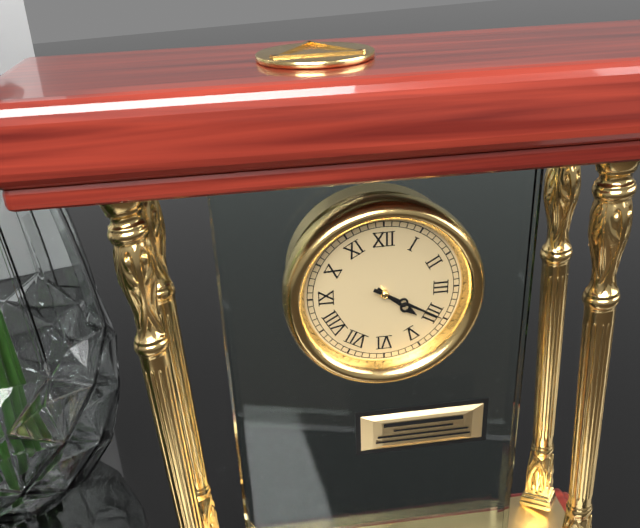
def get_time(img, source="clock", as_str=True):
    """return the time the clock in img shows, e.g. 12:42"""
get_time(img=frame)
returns 4:20
